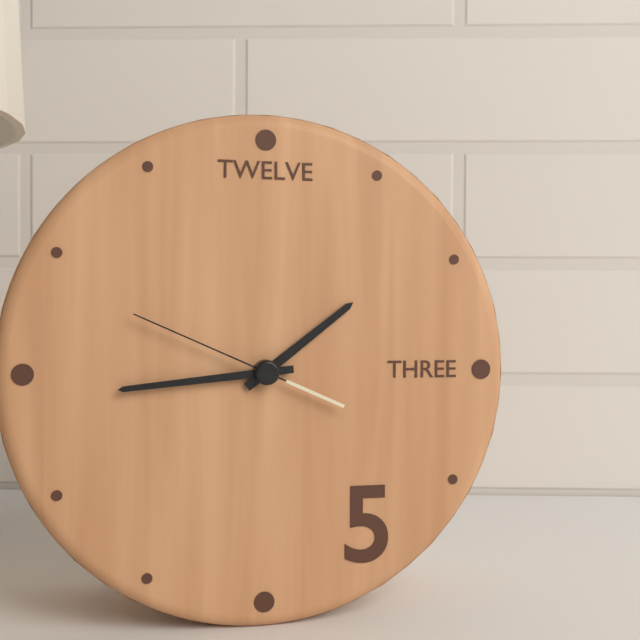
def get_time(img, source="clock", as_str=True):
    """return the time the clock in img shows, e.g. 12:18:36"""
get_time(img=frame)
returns 1:44:49
